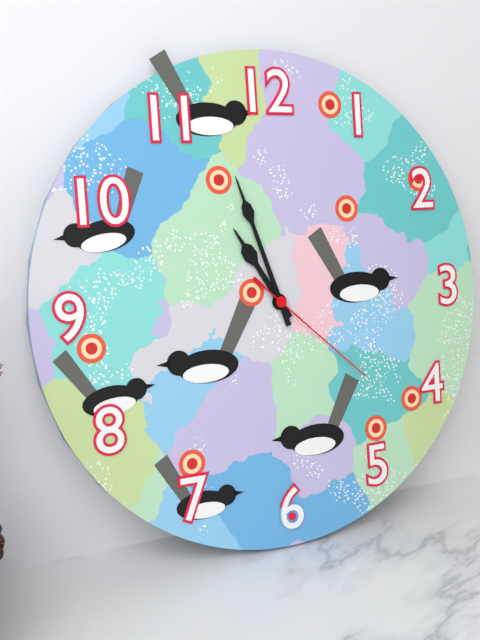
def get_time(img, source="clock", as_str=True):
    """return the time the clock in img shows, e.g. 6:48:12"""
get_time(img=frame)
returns 10:57:22
